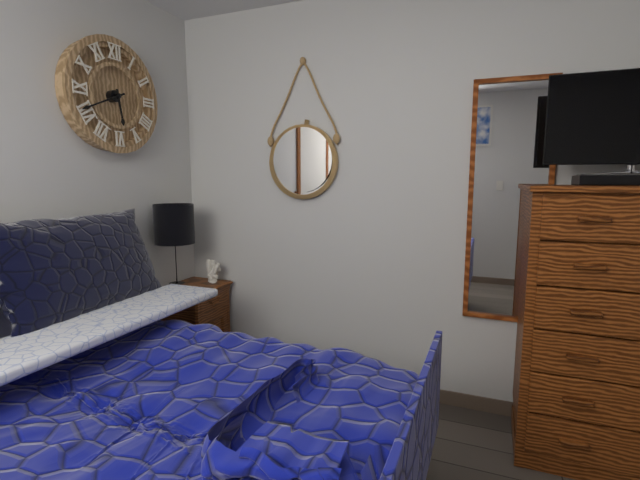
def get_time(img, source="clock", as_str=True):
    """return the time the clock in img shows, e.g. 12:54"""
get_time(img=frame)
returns 5:41
